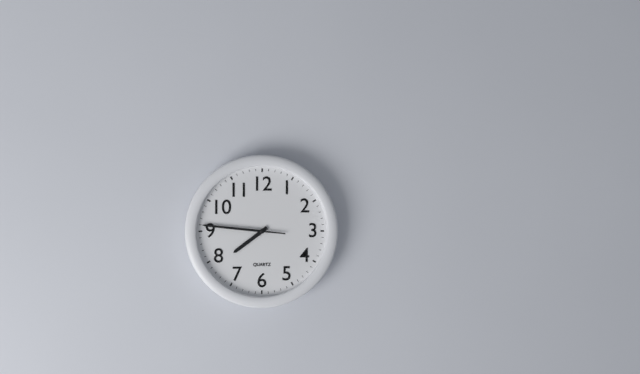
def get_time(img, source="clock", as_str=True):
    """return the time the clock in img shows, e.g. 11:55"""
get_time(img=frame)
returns 7:46
